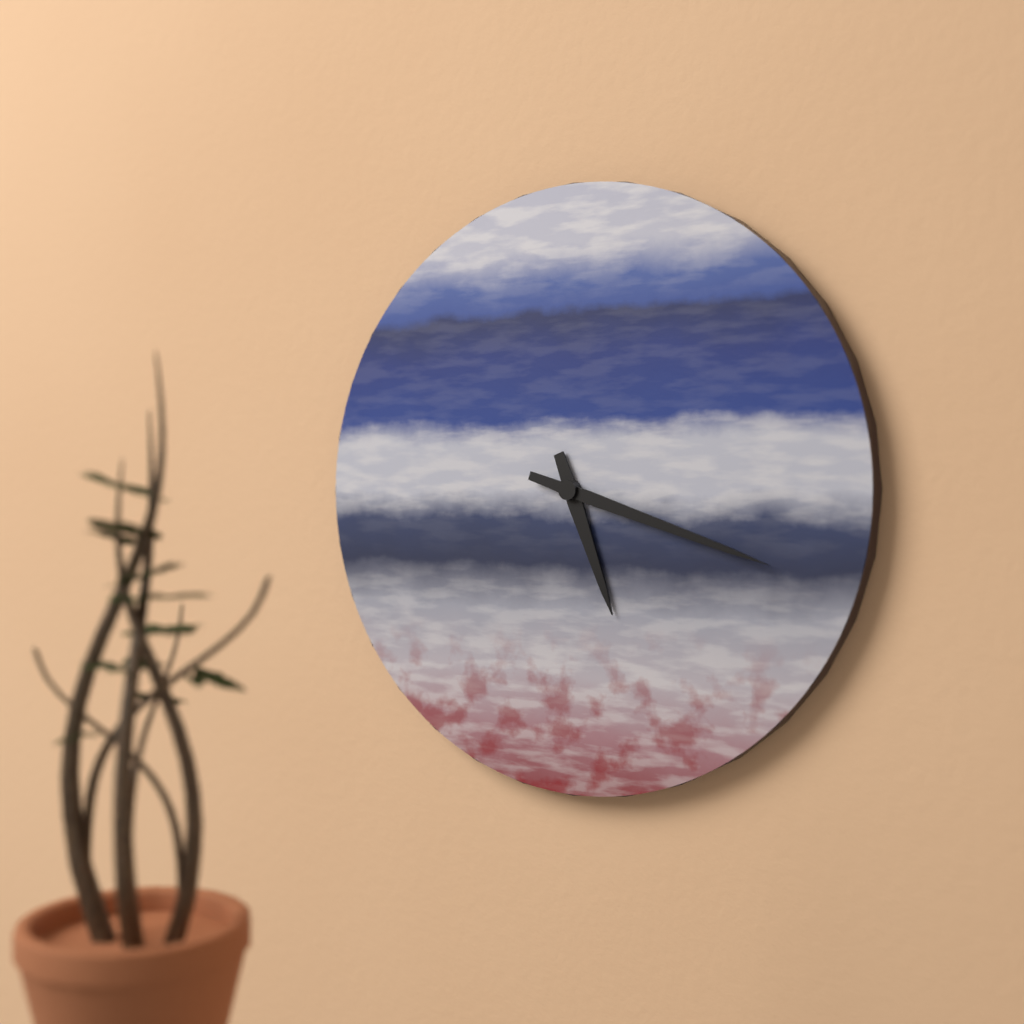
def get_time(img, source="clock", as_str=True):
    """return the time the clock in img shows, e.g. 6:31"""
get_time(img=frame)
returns 5:18
